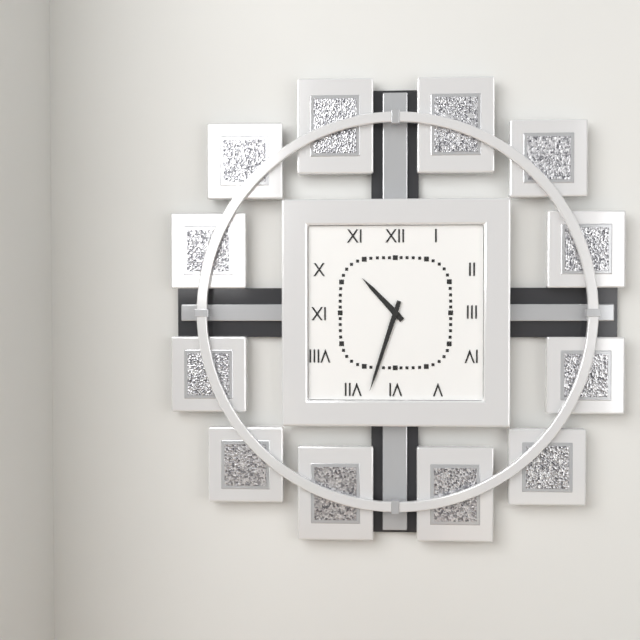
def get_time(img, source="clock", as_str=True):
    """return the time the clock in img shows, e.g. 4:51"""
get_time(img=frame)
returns 10:33
